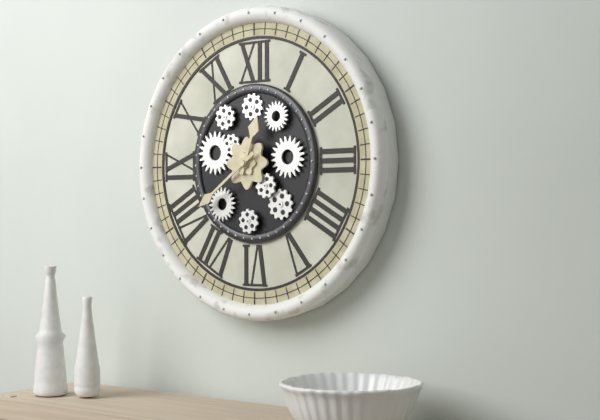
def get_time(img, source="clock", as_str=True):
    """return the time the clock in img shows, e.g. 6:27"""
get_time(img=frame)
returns 12:39
